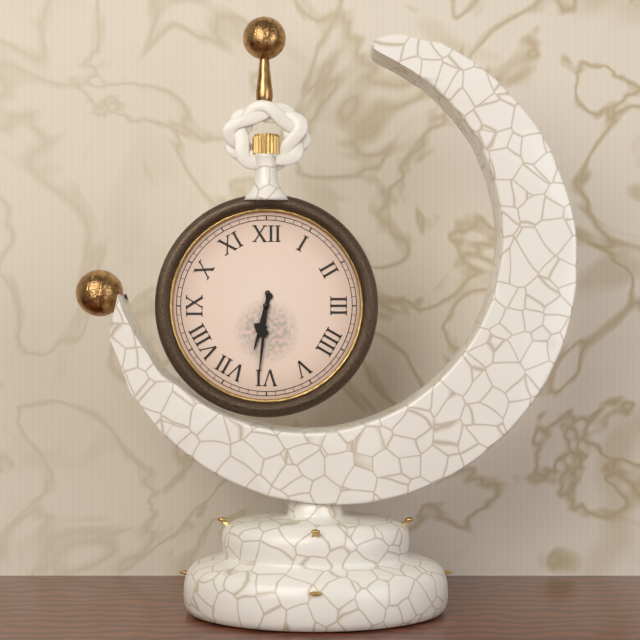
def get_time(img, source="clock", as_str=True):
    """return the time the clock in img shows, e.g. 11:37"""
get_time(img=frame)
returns 6:31
